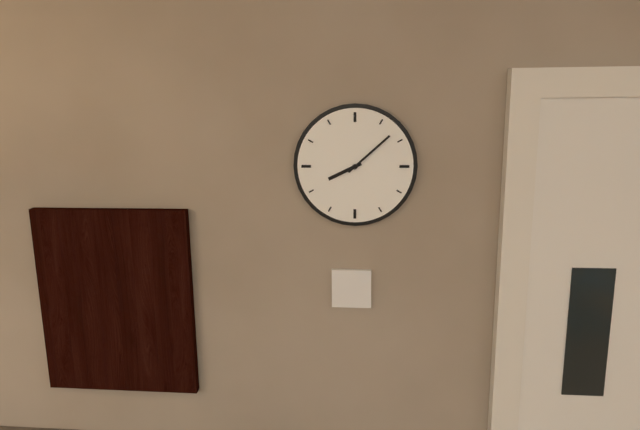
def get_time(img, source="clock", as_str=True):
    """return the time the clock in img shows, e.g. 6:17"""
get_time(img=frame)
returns 8:08
